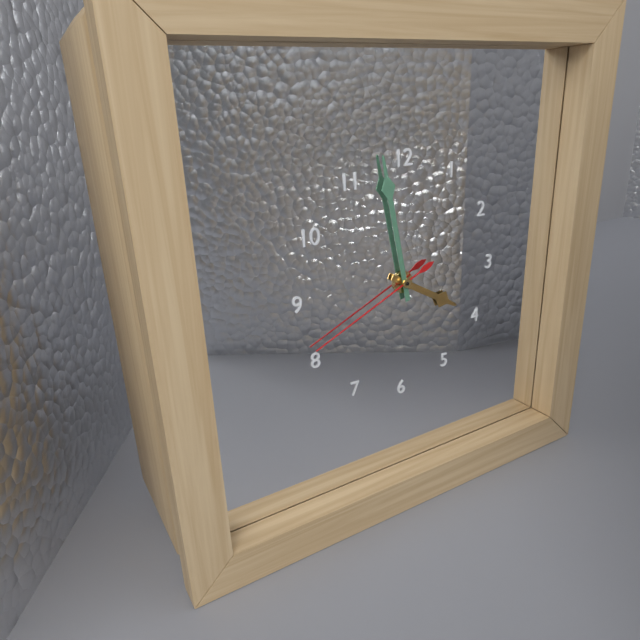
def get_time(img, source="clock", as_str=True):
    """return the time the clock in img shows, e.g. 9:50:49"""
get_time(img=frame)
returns 3:58:41
